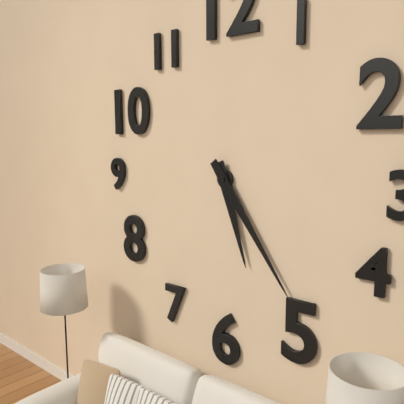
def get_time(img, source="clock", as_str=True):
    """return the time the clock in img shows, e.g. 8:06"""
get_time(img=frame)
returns 5:24
